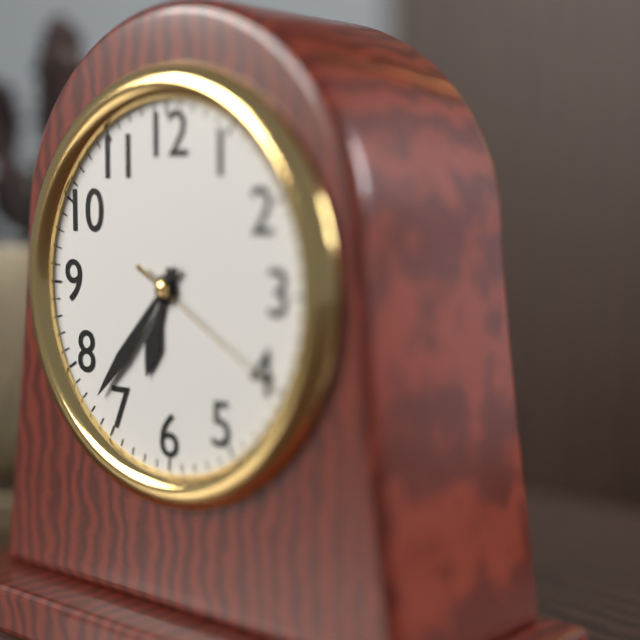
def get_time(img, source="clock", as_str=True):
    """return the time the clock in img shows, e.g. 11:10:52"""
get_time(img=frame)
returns 6:37:20
